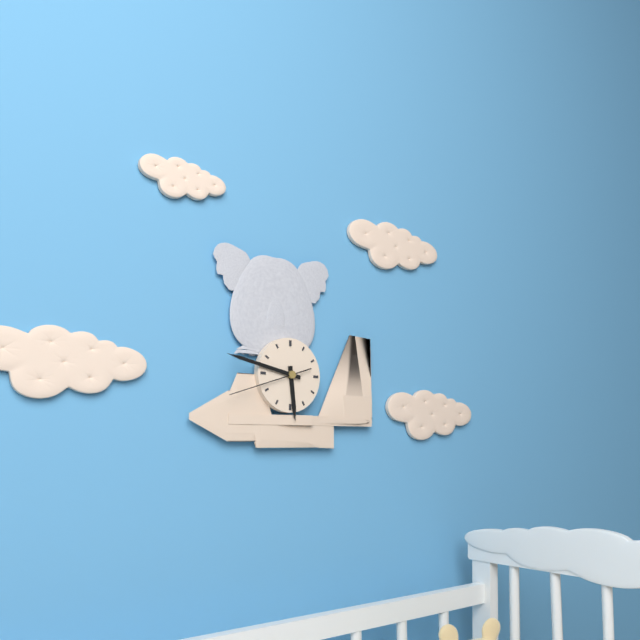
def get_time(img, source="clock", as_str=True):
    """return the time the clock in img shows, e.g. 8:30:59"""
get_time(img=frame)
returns 5:47:42
